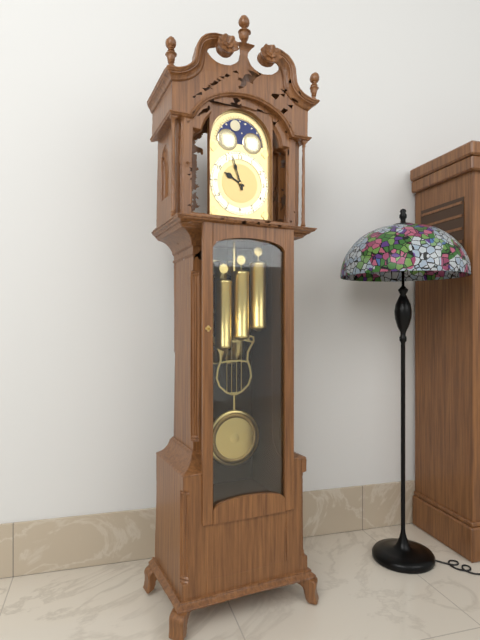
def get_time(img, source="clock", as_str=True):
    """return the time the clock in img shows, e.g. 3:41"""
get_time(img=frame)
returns 9:57
